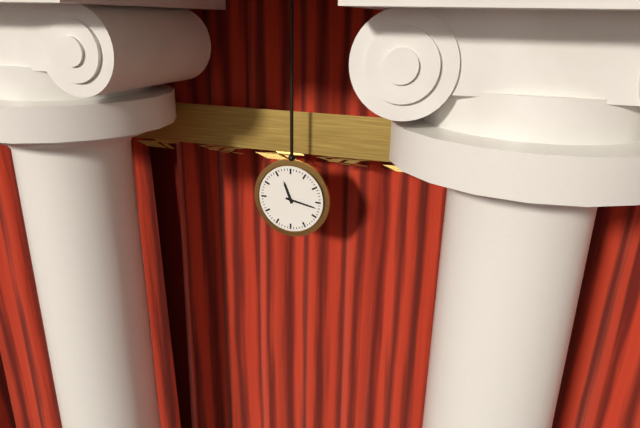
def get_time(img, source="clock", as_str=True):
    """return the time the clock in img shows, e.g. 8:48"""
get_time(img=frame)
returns 11:17
